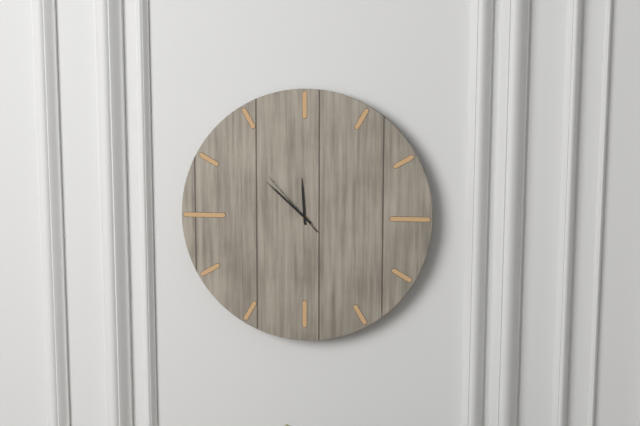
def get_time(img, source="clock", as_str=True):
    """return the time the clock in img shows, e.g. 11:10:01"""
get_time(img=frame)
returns 11:52:53
